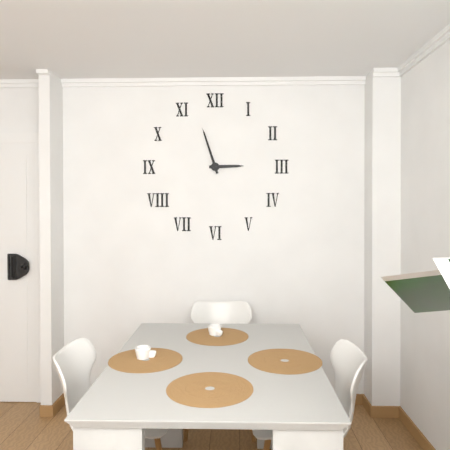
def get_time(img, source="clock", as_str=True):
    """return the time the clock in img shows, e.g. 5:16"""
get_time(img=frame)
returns 2:57
